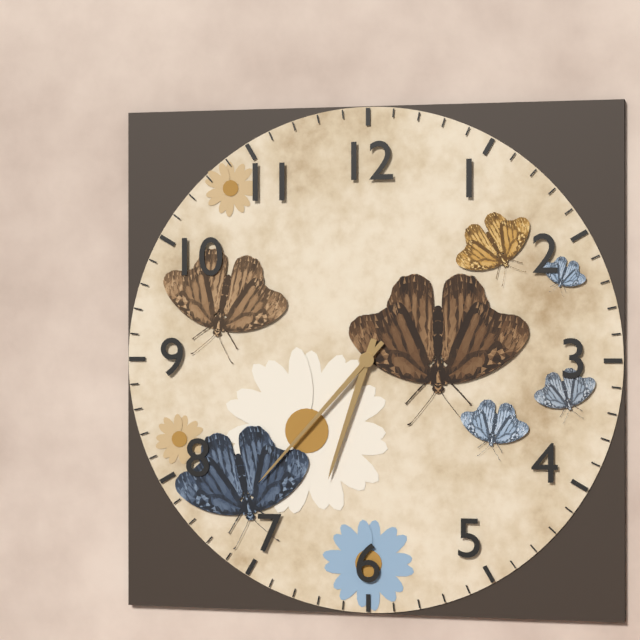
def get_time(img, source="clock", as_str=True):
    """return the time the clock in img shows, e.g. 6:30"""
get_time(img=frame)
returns 6:37
